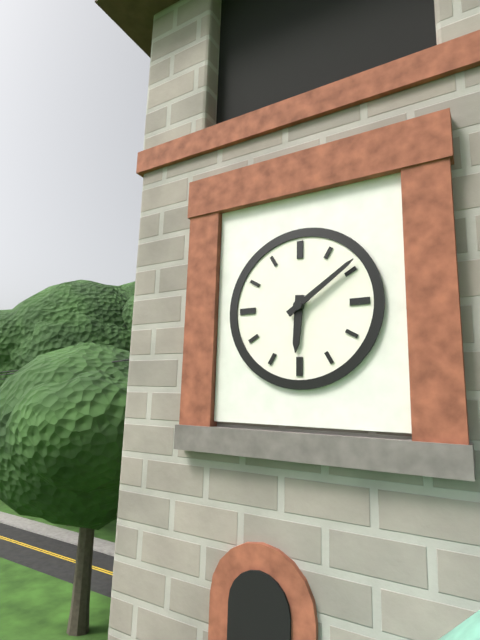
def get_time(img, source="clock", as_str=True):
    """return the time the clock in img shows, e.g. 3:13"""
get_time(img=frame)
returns 6:09
